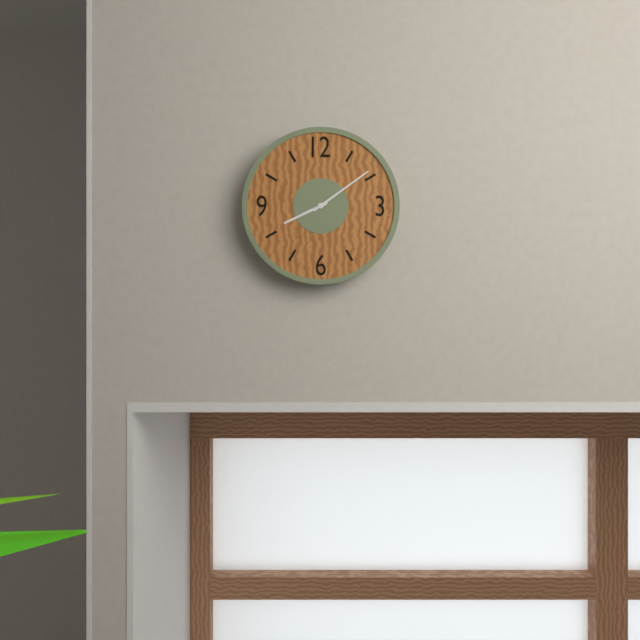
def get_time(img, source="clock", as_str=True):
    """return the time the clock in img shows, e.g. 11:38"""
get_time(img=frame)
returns 8:09
